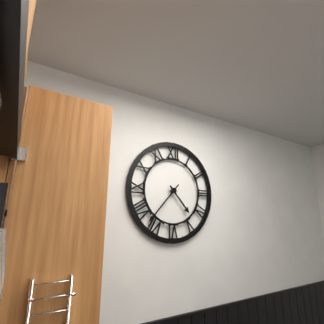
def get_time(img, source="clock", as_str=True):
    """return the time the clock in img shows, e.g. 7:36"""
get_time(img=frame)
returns 4:37
